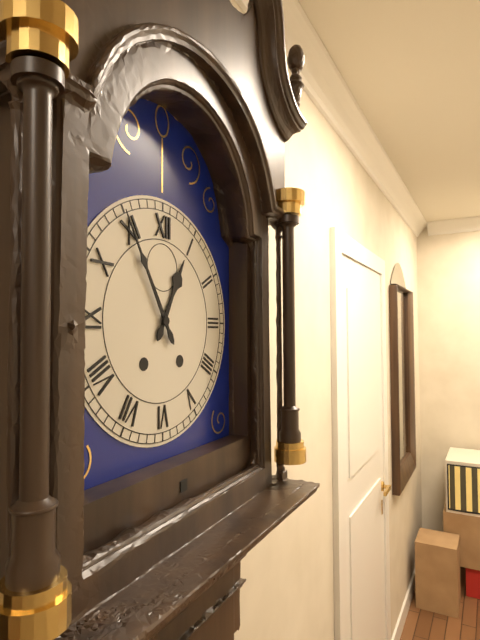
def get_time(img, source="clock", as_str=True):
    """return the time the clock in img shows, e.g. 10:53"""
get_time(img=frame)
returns 12:55
